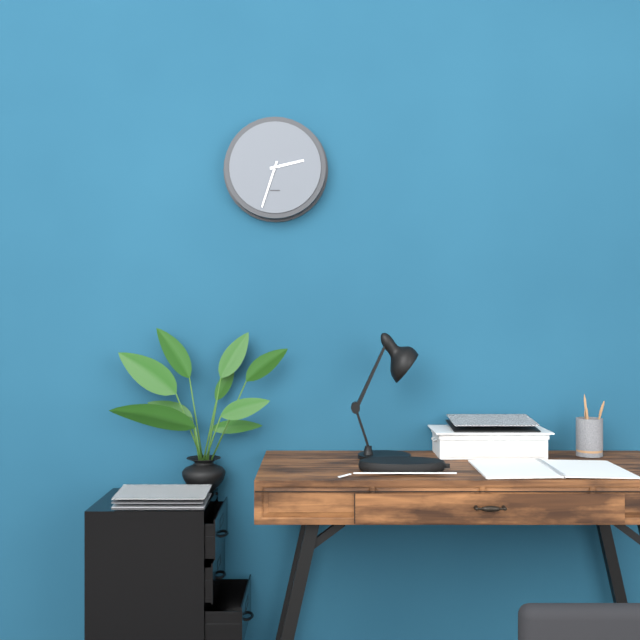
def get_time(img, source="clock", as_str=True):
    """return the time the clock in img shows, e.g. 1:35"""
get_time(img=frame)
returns 2:33
